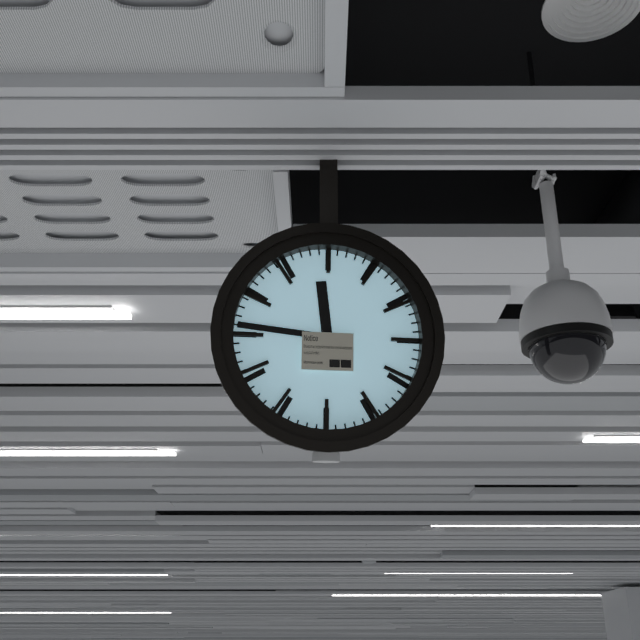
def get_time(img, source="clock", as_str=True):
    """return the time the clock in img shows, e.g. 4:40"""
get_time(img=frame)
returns 11:46
